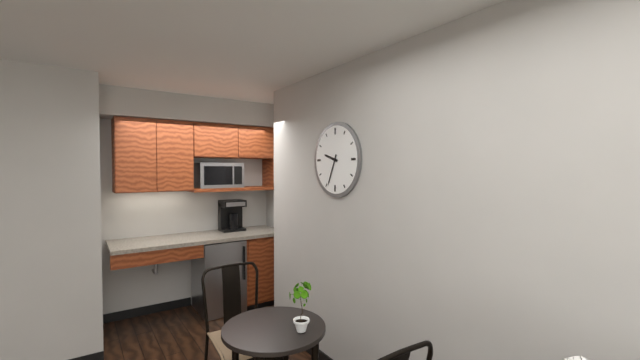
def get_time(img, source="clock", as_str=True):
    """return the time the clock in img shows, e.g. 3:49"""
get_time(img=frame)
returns 9:34
